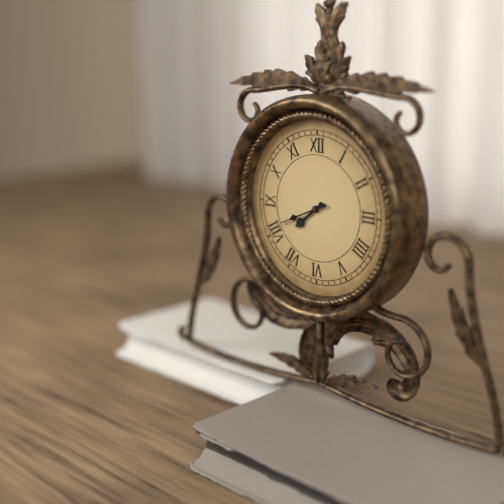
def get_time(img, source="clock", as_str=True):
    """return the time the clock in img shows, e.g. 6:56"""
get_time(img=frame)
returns 7:41
